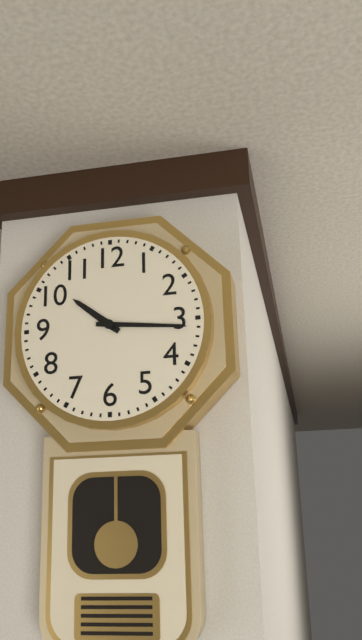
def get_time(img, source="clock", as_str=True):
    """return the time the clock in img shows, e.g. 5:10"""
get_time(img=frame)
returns 10:16
